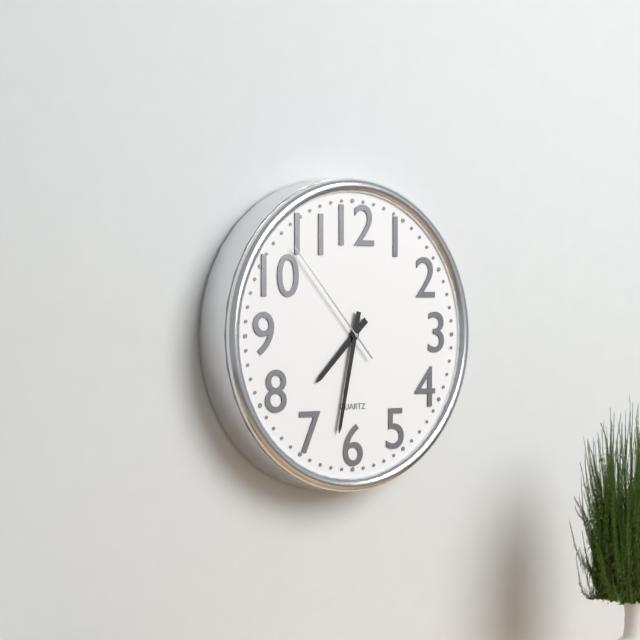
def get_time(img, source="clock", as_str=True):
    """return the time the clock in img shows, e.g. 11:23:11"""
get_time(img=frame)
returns 7:32:53
